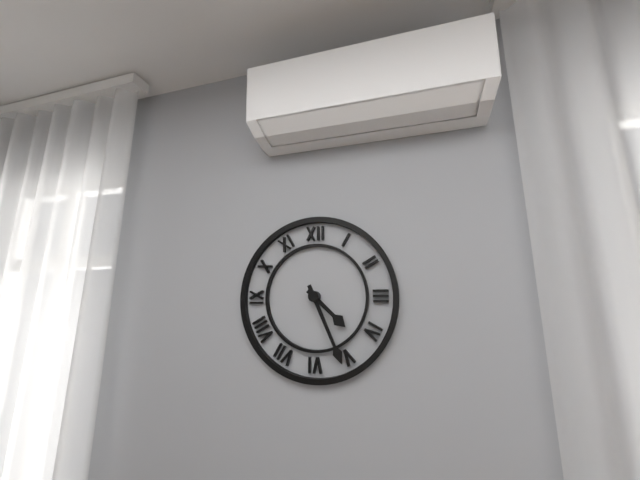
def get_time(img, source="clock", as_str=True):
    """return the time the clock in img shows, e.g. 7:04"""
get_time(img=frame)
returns 4:26
